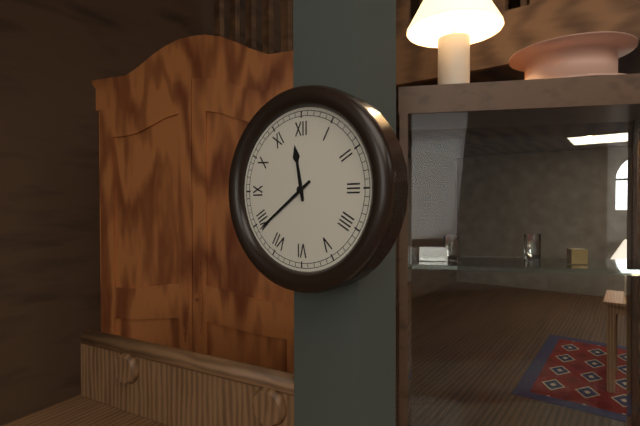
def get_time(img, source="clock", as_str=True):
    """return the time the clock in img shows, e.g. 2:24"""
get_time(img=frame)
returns 11:39
